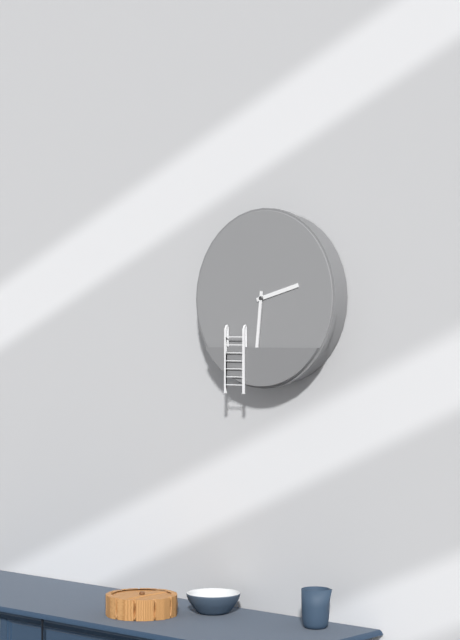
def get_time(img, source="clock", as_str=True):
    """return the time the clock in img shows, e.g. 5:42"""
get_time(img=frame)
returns 2:31
